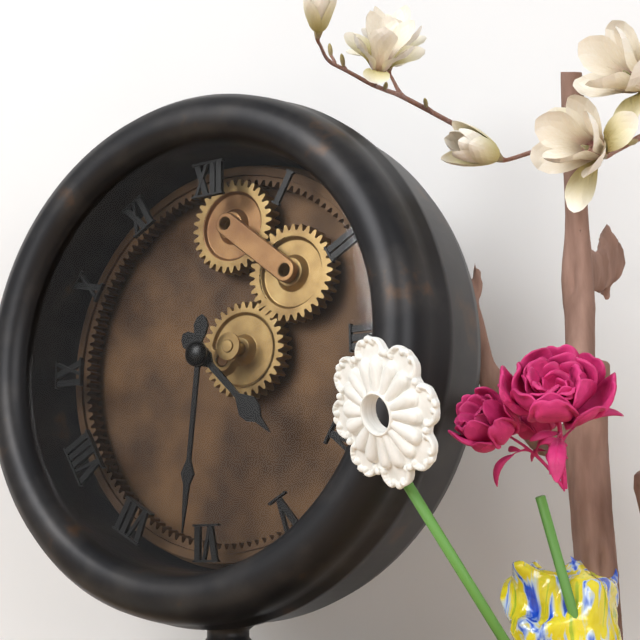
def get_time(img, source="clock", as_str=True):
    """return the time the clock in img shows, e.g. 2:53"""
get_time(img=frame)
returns 4:31
